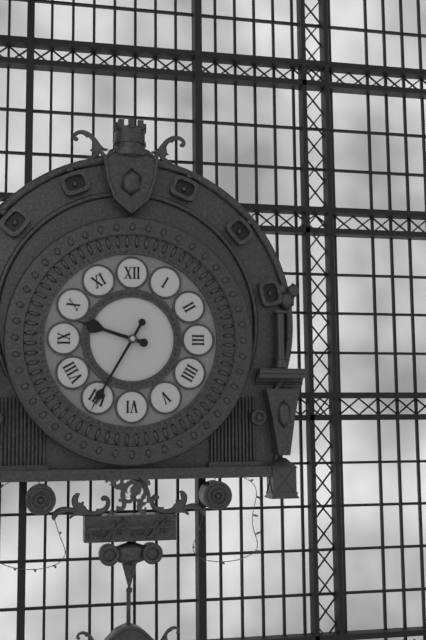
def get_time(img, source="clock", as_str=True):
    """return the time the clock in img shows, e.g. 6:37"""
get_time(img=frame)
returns 9:35
